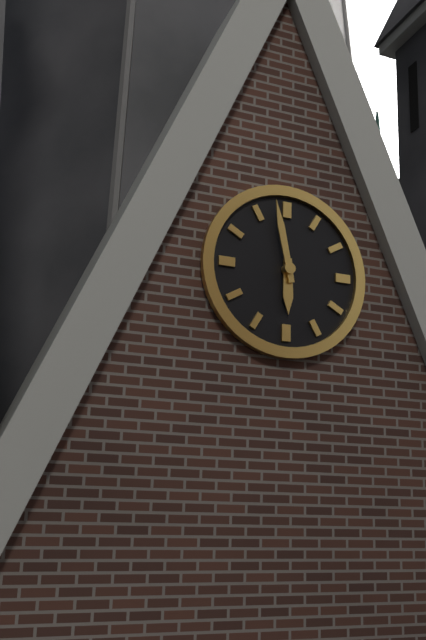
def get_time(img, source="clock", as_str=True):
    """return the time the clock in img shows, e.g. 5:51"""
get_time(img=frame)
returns 5:58
